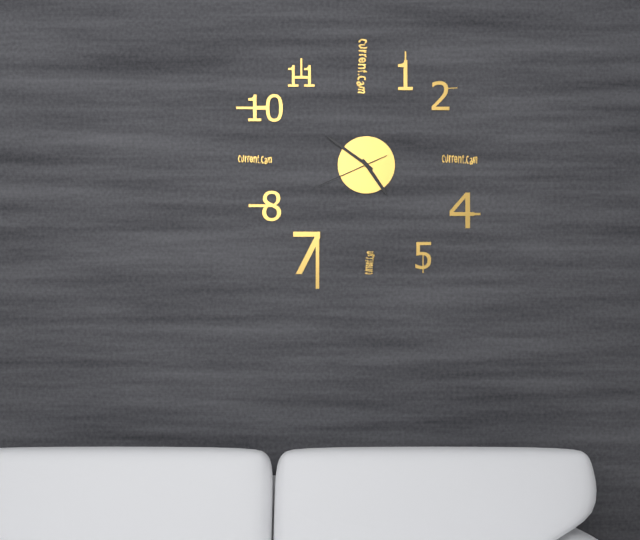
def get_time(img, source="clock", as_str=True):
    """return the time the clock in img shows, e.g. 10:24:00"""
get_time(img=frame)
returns 4:51:41
